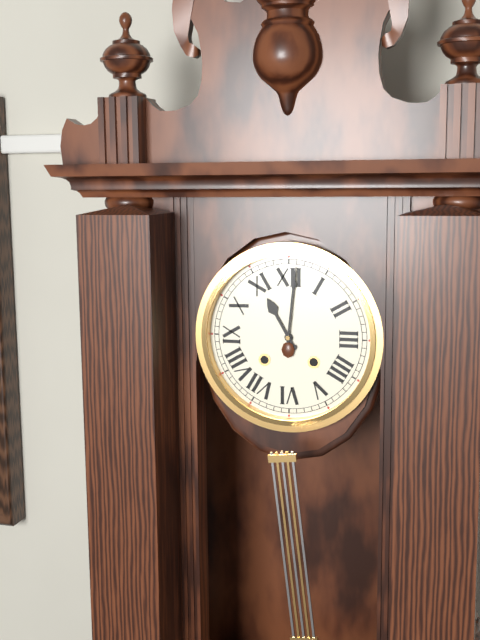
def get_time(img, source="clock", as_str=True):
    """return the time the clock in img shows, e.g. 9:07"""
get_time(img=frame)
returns 11:01
